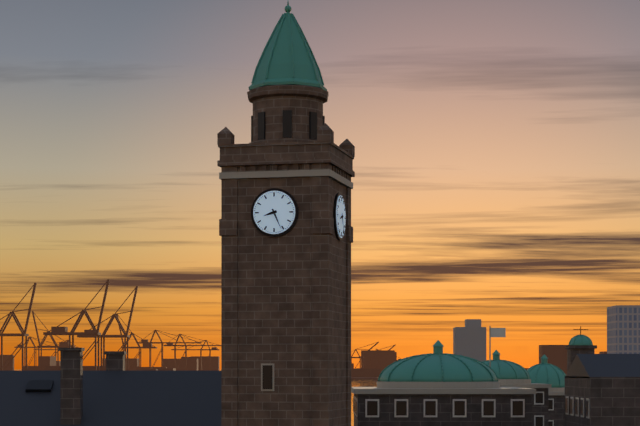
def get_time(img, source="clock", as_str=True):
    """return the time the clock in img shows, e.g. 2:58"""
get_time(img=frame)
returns 8:26
